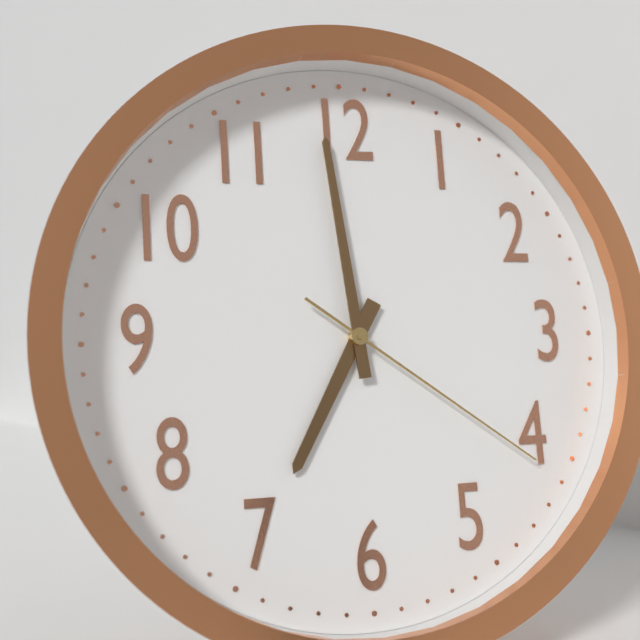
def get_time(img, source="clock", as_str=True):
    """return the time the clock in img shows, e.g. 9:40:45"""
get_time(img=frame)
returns 6:59:21
